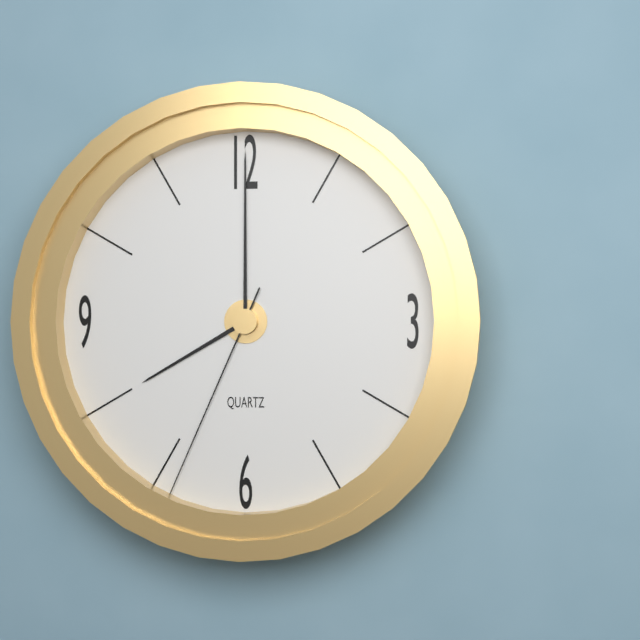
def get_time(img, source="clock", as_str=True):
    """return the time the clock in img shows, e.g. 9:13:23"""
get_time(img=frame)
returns 8:00:34
